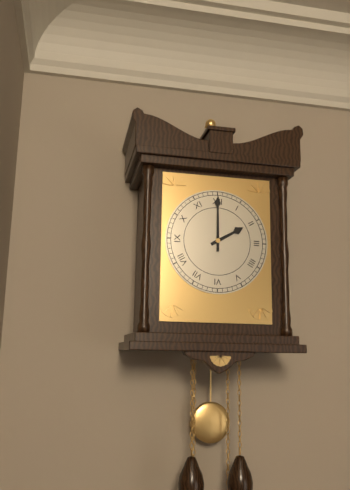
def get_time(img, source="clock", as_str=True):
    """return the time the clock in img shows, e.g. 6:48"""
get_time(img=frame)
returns 2:00
